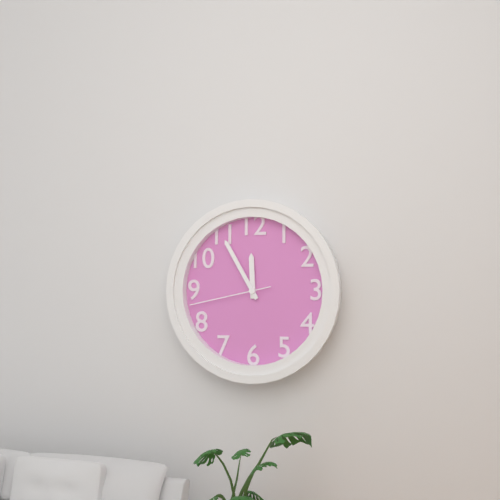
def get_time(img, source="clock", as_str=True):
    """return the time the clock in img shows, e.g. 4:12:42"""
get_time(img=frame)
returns 11:55:43
